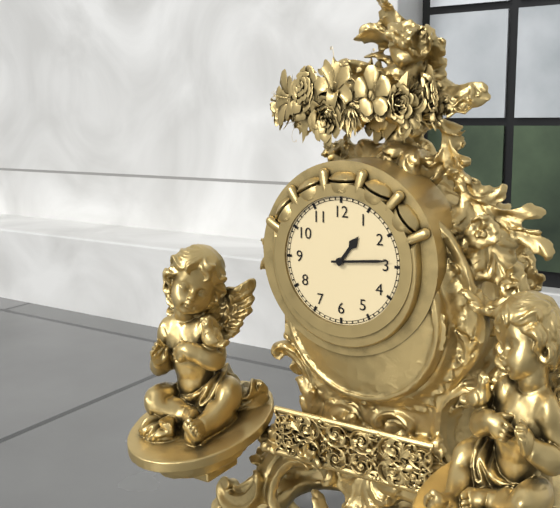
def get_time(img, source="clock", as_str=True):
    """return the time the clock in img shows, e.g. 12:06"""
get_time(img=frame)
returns 1:14
